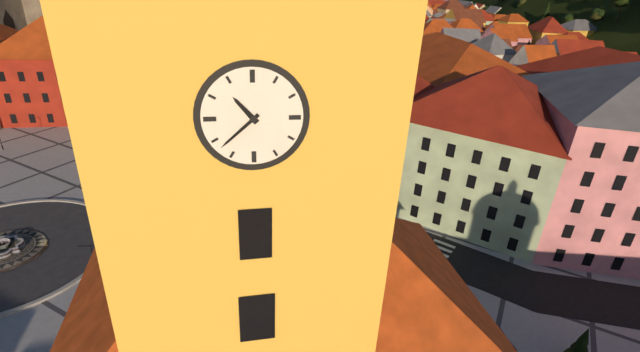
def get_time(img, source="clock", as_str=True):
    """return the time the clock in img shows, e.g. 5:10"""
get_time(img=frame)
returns 10:38
